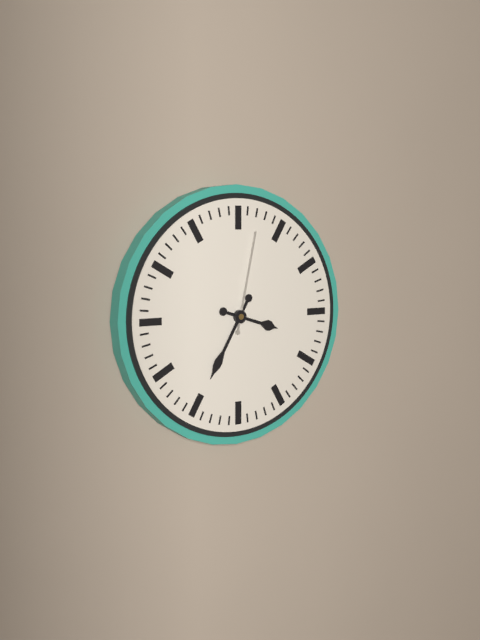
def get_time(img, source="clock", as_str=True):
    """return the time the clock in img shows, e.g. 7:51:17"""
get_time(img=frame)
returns 3:35:02
